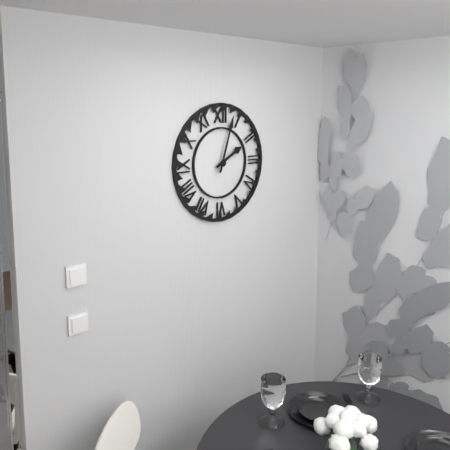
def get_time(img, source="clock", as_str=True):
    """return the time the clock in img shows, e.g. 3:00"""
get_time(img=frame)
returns 2:03
